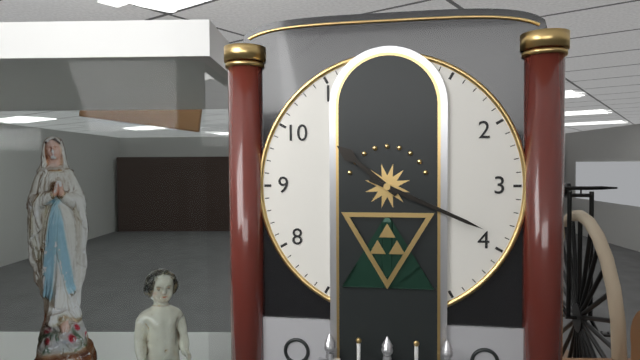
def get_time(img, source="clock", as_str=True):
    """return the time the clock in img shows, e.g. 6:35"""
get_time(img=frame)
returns 10:19
